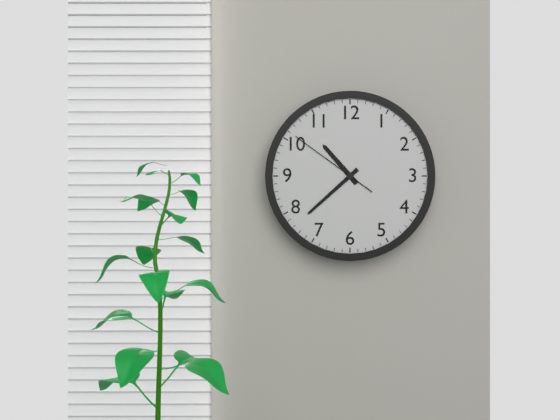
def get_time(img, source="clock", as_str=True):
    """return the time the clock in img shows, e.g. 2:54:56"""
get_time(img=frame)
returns 10:38:51
